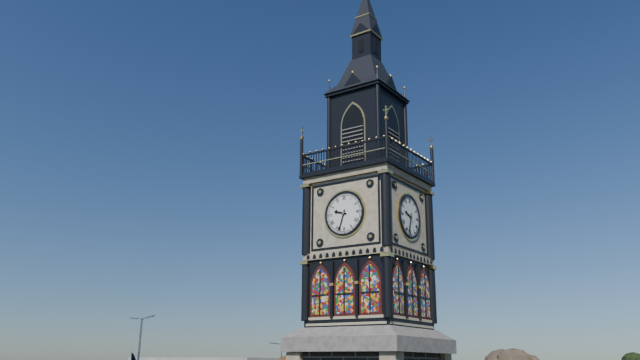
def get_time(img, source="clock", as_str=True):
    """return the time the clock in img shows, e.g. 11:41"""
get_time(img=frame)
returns 9:33
